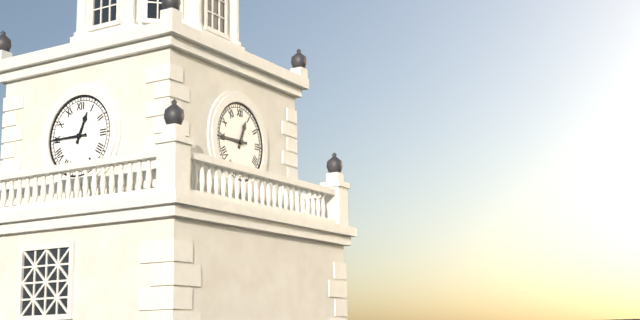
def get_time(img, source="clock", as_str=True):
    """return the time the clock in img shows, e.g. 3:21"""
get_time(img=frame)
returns 12:45
